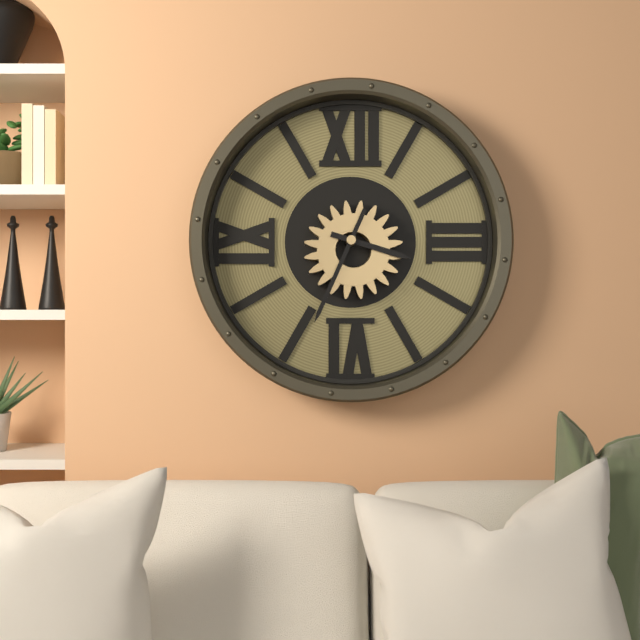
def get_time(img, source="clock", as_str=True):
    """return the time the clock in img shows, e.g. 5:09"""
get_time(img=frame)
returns 3:34
